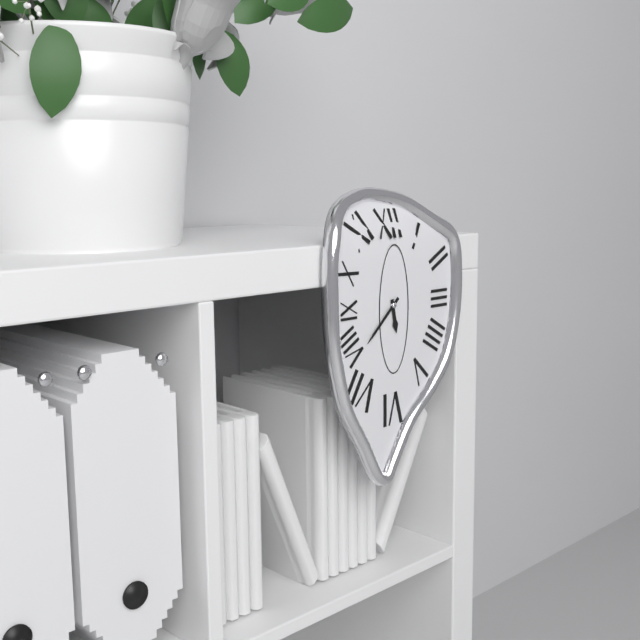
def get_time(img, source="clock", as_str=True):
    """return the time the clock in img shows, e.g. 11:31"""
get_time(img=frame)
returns 5:38
